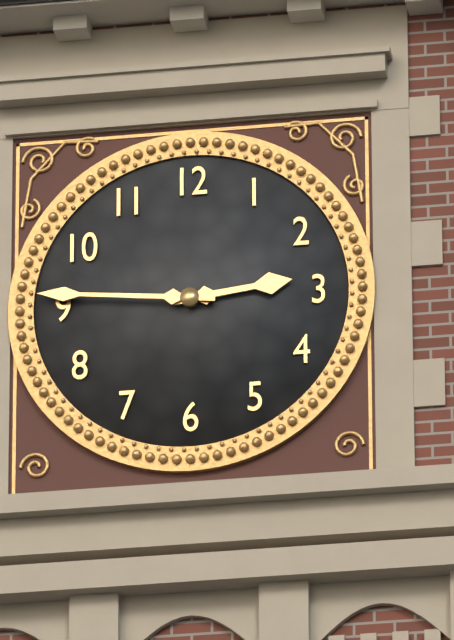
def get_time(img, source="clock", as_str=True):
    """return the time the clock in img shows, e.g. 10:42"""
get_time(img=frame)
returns 2:46
